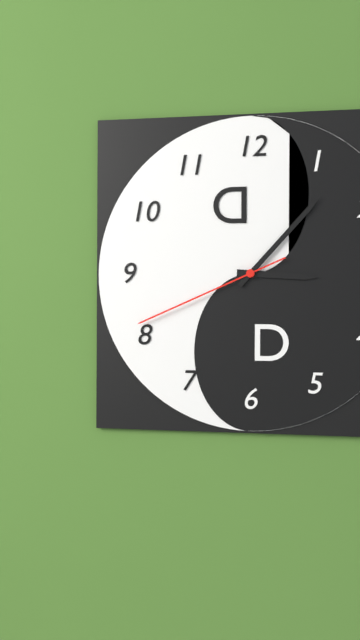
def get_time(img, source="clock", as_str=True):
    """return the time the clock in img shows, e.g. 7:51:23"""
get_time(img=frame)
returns 3:07:41
